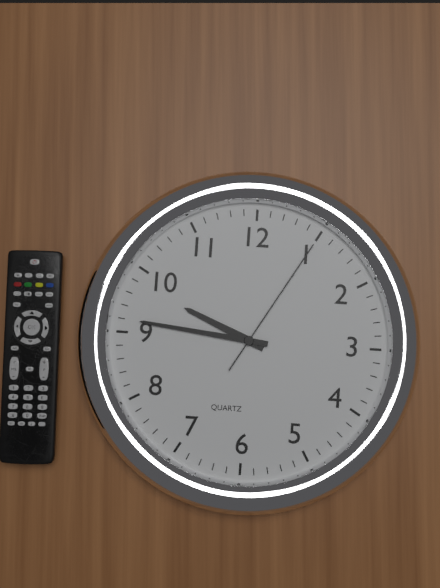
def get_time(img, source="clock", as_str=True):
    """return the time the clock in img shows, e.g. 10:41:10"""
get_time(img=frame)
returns 9:46:05
